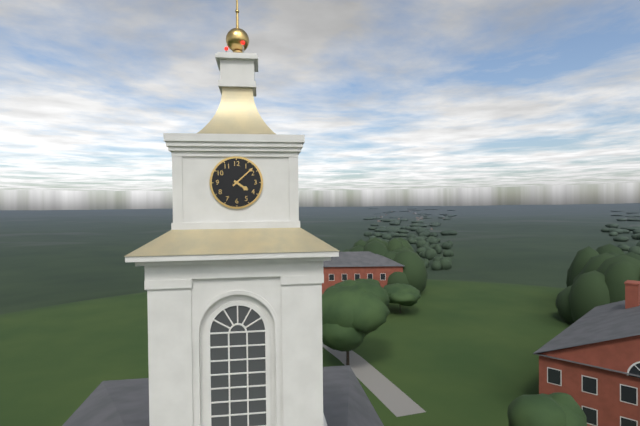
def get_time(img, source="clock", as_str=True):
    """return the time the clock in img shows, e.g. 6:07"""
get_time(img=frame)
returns 4:08
